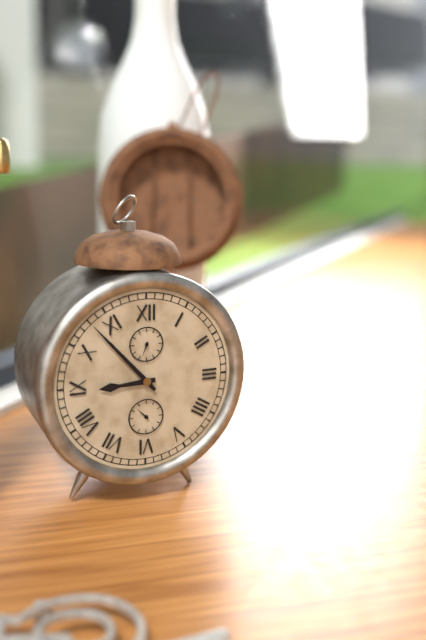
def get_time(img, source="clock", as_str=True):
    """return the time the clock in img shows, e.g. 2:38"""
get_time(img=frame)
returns 8:53
